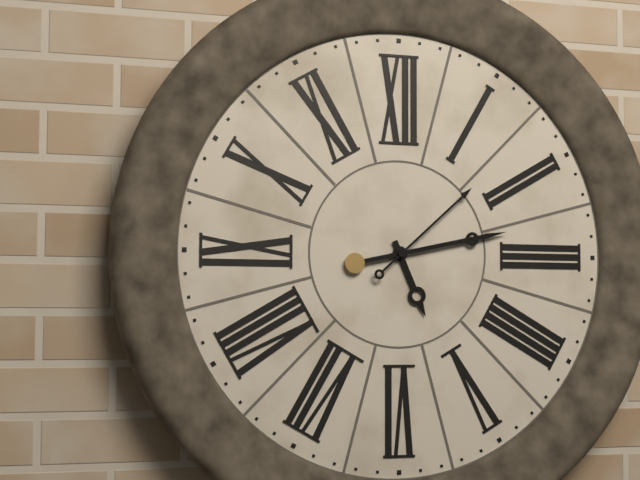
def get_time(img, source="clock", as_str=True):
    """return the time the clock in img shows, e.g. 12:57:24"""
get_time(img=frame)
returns 5:13:08
